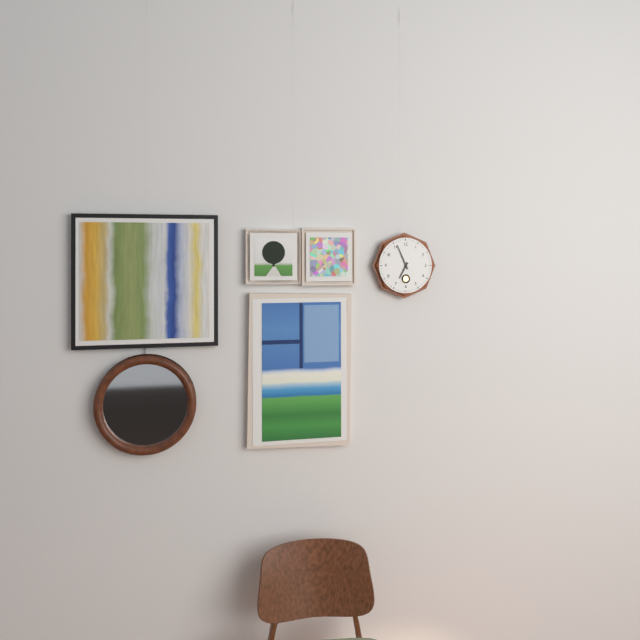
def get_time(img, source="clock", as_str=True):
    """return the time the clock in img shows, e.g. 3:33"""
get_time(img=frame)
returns 6:56
